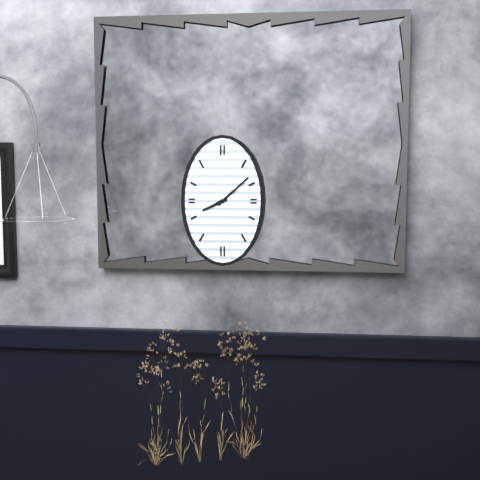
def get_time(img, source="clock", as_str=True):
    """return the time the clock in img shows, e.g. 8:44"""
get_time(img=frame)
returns 8:08
